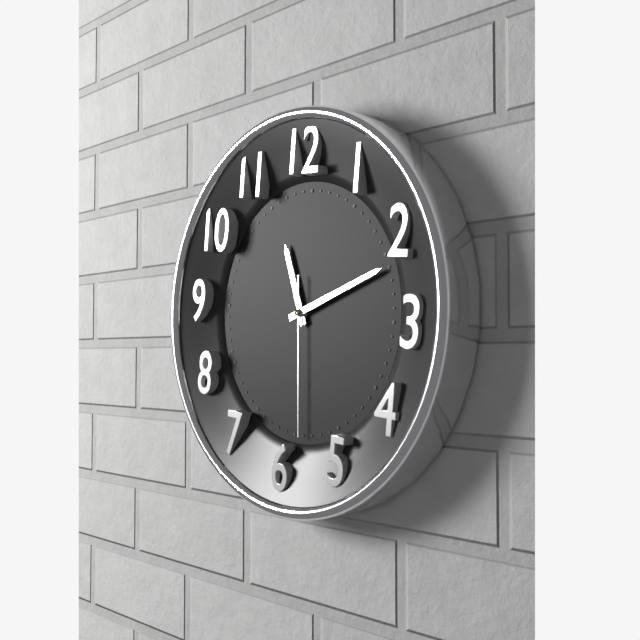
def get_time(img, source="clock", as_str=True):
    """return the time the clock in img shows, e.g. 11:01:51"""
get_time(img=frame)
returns 11:11:29
